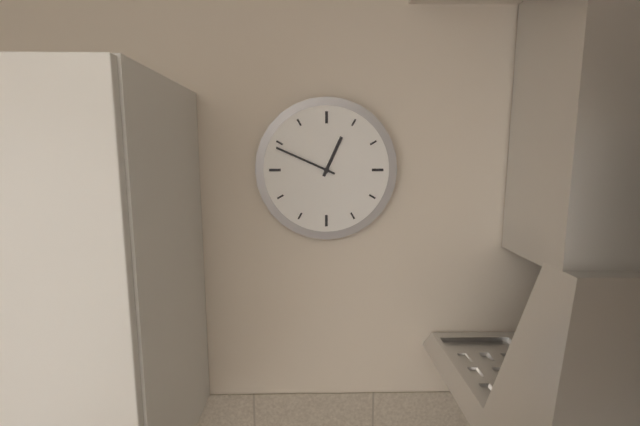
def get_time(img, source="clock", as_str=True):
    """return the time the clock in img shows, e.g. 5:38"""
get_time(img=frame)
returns 12:49
